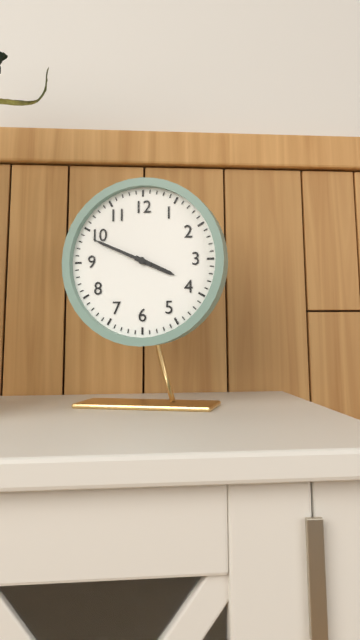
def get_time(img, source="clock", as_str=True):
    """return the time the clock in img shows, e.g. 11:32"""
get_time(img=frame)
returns 3:49
